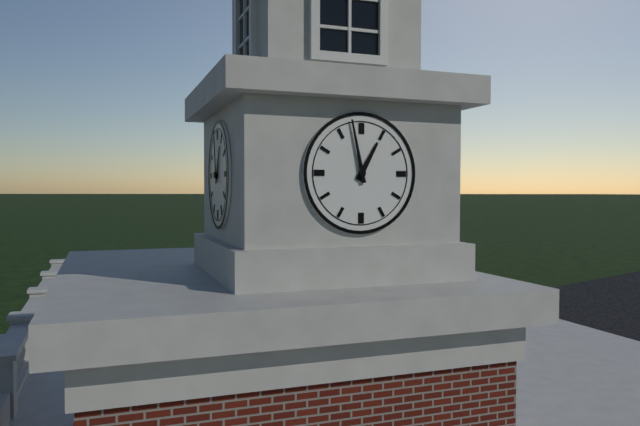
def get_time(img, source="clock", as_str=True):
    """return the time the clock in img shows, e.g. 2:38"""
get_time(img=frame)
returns 12:58
